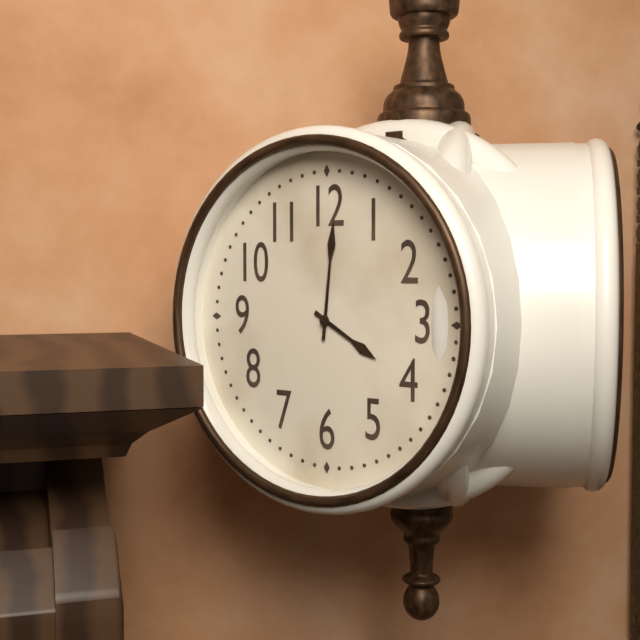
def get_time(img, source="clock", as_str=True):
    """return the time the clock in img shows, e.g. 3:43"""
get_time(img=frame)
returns 4:01
